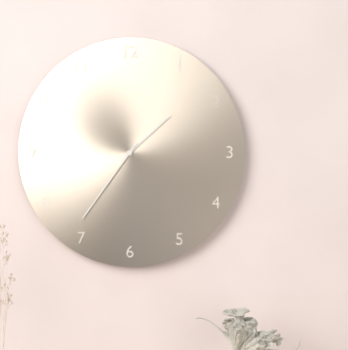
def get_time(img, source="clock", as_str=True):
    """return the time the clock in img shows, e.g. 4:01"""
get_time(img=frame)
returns 1:36
